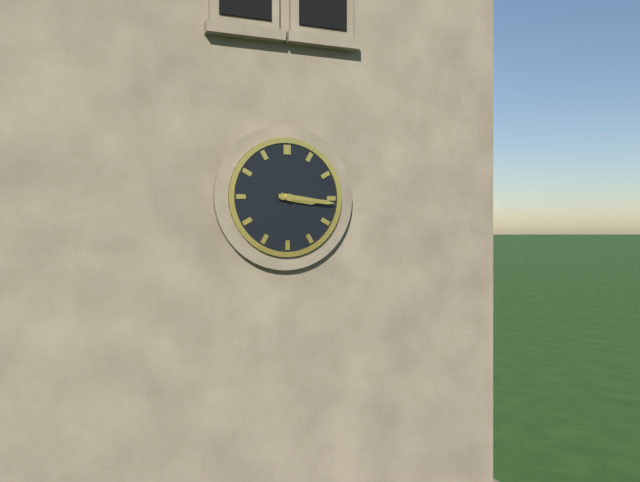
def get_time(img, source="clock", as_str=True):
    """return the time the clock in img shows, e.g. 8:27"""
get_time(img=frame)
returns 3:16
